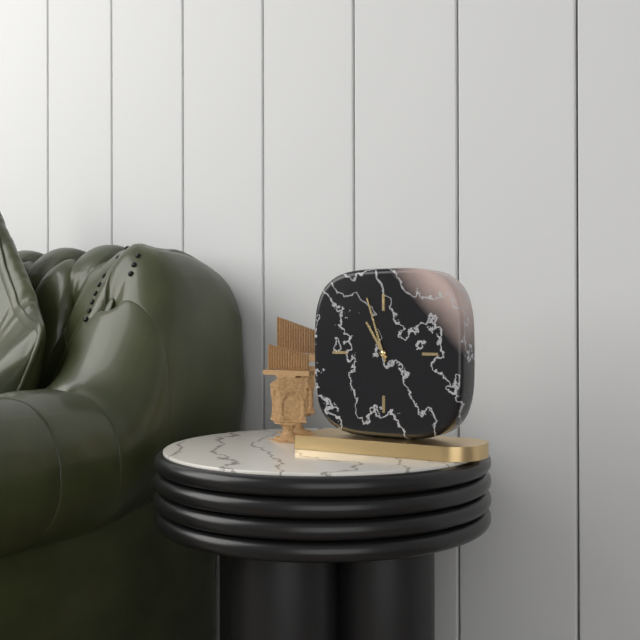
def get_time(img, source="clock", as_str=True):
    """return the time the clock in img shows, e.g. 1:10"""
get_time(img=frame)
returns 10:57
